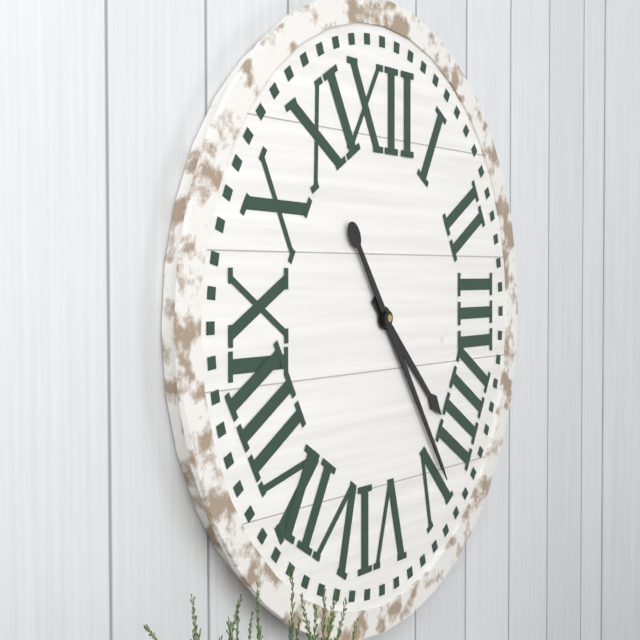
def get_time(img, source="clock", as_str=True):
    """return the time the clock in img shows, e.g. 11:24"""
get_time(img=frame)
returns 4:24
